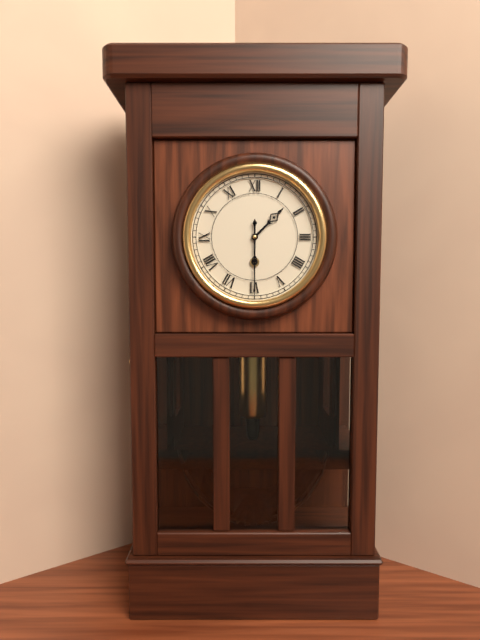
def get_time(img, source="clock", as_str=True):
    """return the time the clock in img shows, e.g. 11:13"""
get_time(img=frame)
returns 1:30
